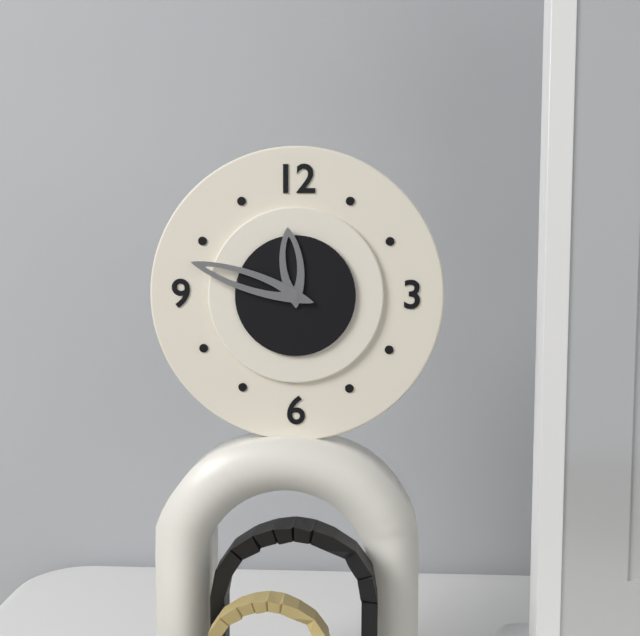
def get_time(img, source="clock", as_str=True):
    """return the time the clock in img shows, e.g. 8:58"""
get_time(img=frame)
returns 11:48
